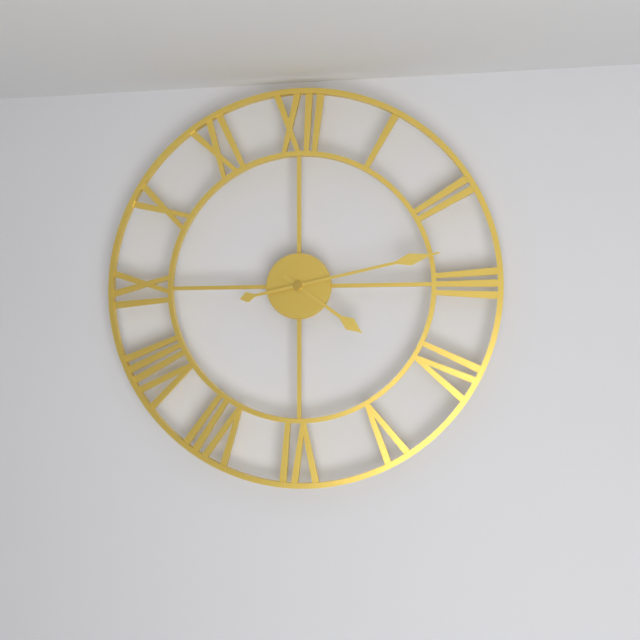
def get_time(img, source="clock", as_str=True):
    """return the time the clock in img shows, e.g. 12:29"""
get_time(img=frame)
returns 4:13
